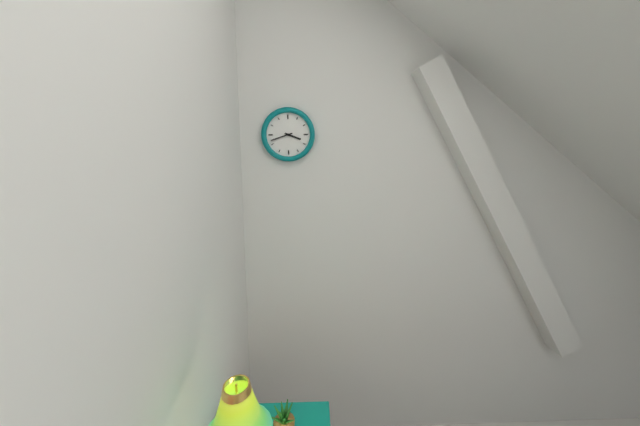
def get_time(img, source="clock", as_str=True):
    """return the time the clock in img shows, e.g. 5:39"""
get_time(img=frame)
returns 3:42
